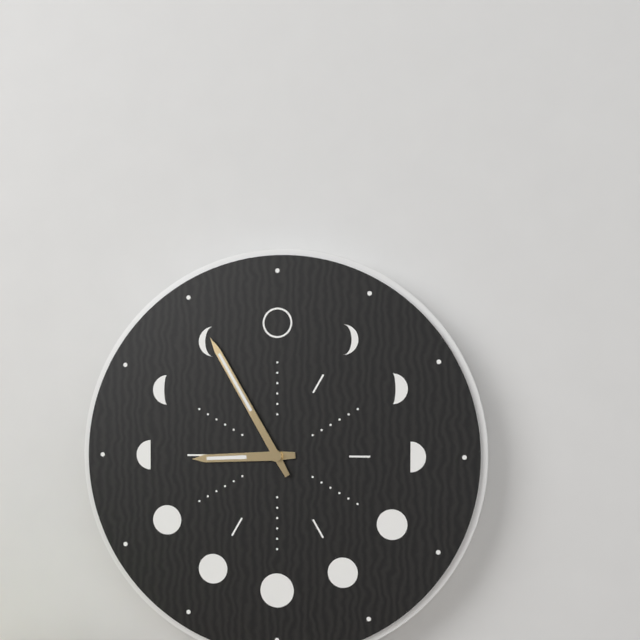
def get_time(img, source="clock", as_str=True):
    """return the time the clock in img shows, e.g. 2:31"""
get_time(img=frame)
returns 8:55
